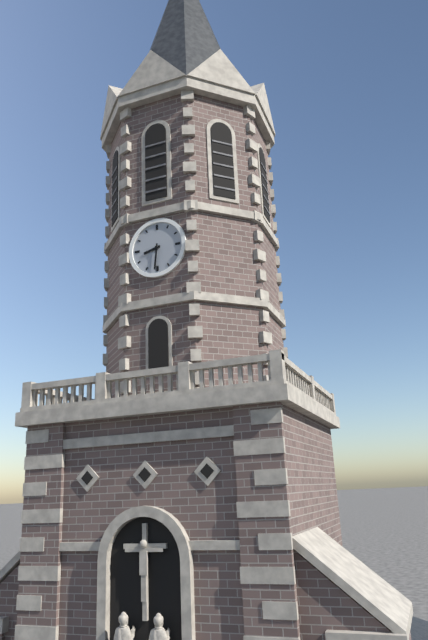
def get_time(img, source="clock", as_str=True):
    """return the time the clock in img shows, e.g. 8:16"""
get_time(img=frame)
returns 8:31
